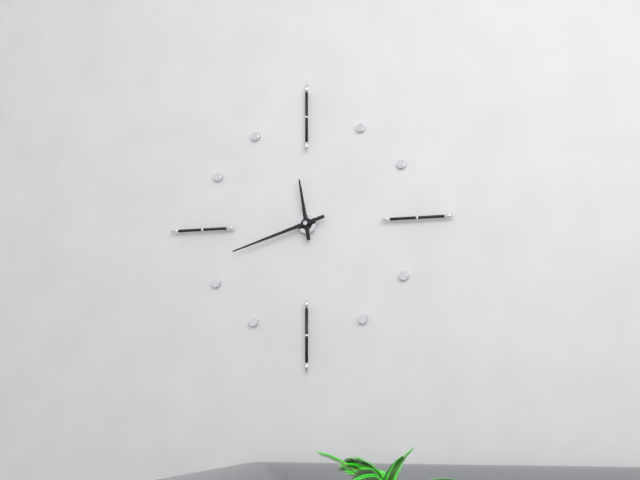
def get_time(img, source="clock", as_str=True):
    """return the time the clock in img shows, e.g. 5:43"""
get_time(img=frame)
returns 11:42
